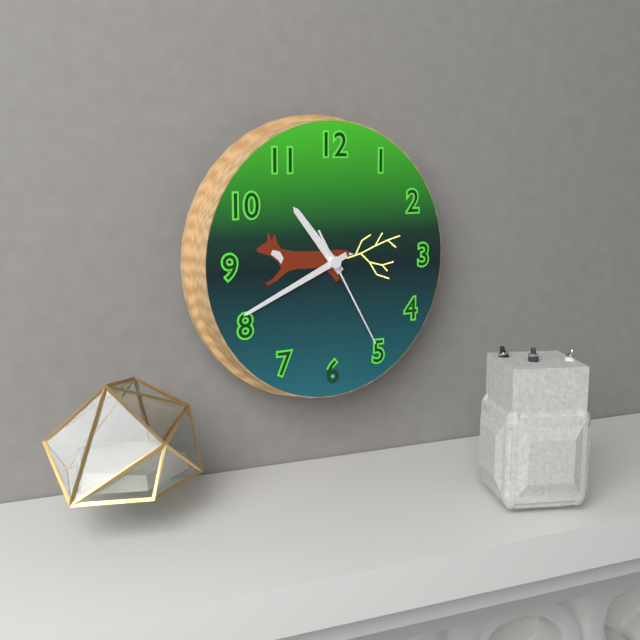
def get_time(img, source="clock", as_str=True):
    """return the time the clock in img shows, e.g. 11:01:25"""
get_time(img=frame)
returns 10:41:25
